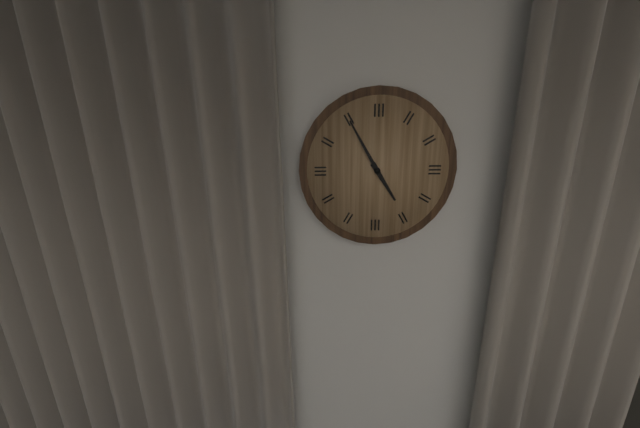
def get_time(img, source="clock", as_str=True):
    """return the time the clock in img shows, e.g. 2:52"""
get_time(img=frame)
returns 4:55
